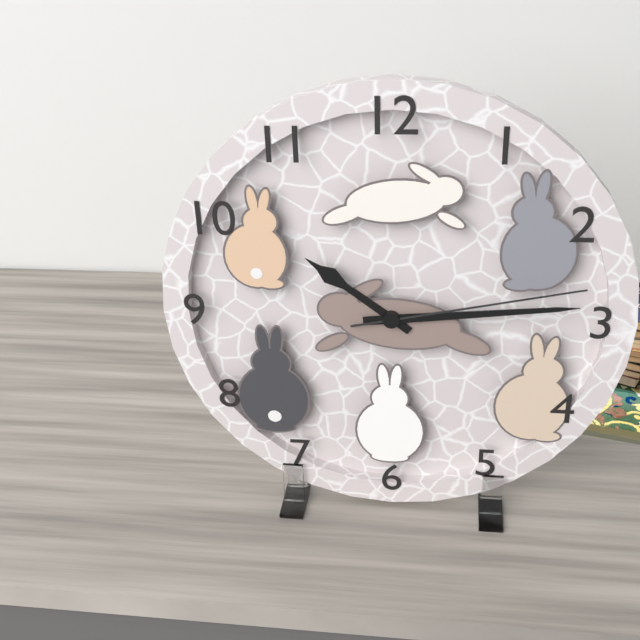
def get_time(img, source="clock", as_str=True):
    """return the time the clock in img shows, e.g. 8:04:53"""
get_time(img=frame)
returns 10:14:13
